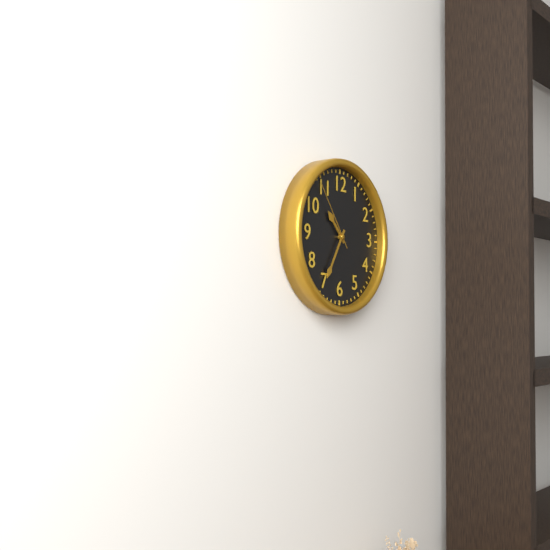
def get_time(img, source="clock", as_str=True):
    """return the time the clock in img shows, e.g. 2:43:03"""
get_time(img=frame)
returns 10:35:54
